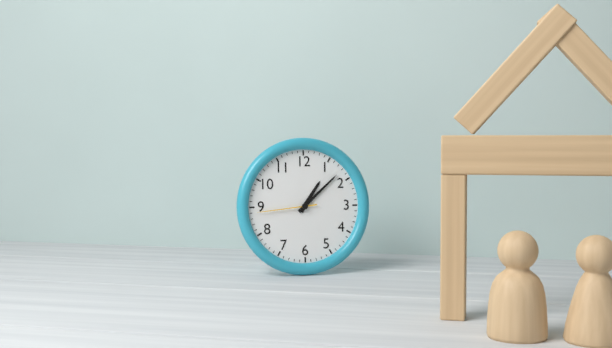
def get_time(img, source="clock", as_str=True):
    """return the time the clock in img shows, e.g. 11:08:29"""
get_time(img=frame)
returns 1:08:44
